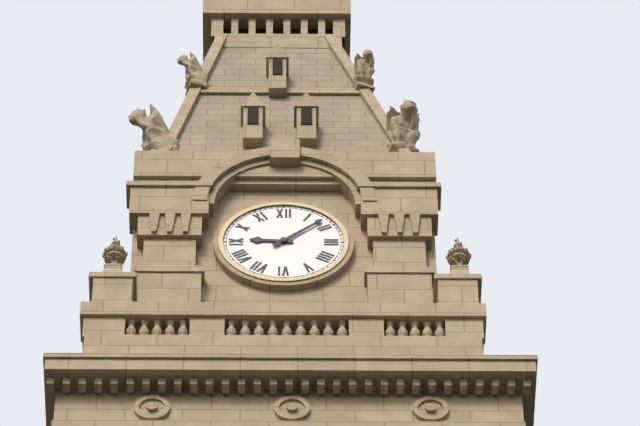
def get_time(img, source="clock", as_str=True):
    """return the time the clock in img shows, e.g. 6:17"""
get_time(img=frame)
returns 9:08
